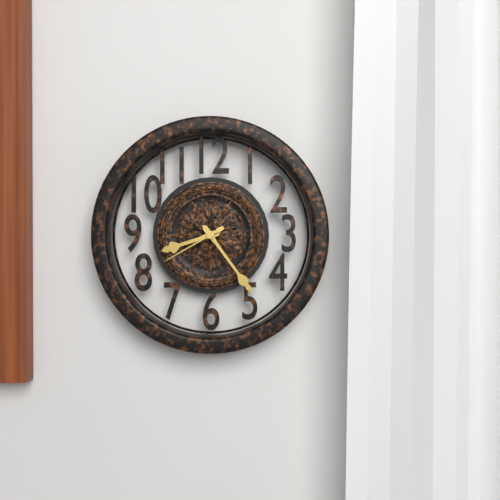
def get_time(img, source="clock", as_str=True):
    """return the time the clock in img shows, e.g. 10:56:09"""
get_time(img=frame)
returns 8:24:40
